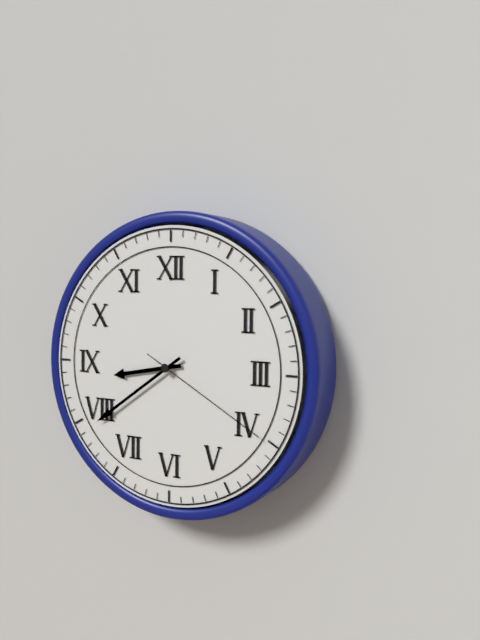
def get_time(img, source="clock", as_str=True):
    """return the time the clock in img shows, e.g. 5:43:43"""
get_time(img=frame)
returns 8:39:20
